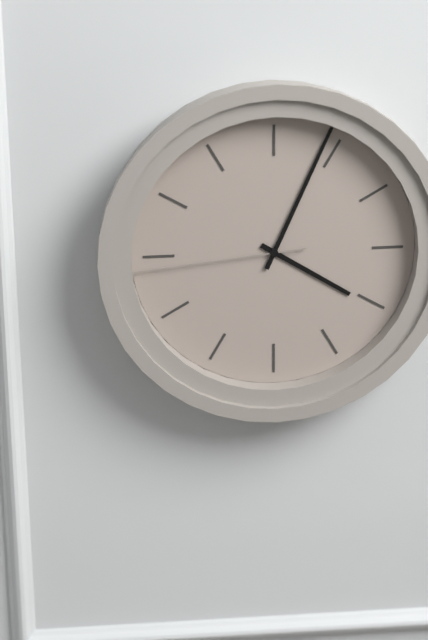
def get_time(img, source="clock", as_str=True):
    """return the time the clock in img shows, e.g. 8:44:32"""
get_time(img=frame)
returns 4:04:44
